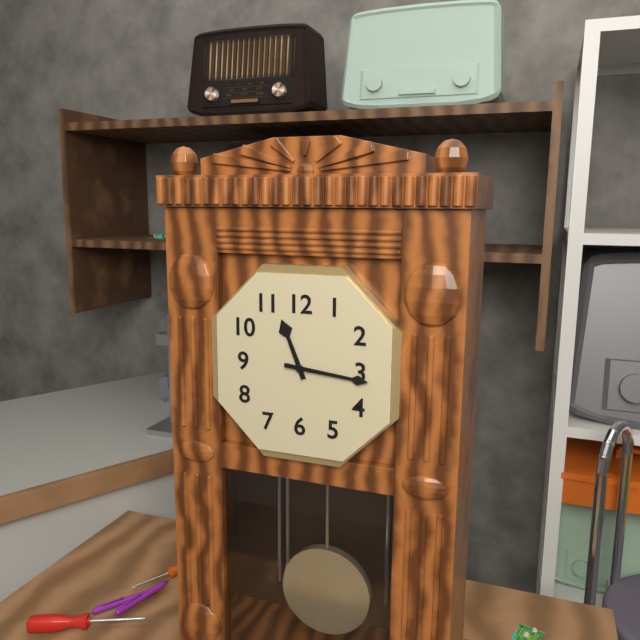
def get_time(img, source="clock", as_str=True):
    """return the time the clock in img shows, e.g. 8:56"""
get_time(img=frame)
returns 11:16
